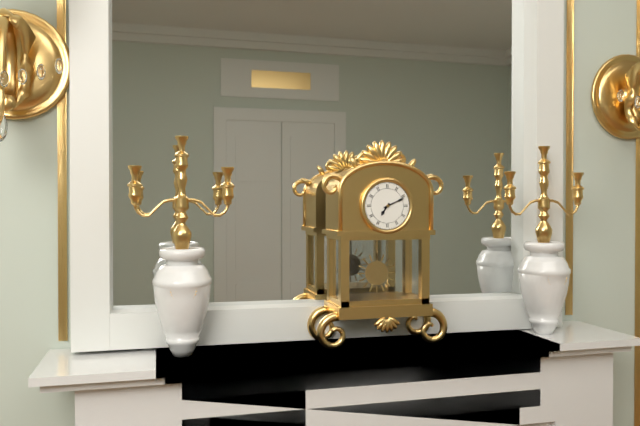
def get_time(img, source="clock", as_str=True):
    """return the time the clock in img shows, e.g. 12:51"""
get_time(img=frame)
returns 7:11
